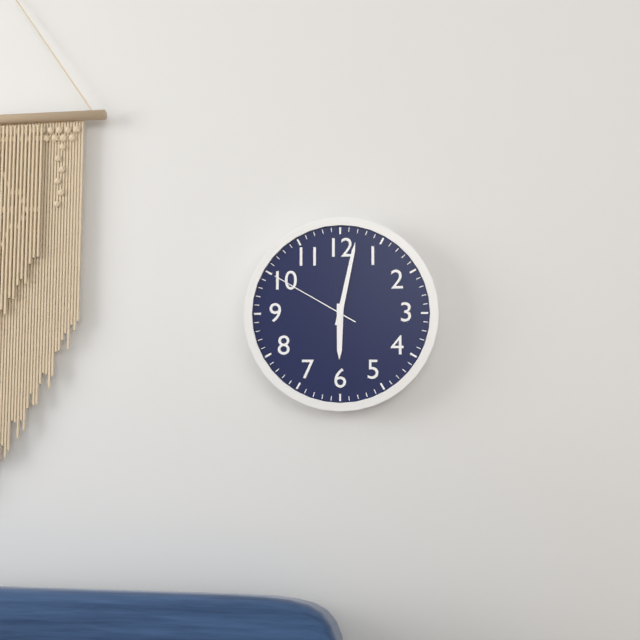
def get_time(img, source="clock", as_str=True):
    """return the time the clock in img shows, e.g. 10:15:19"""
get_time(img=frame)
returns 6:02:50
